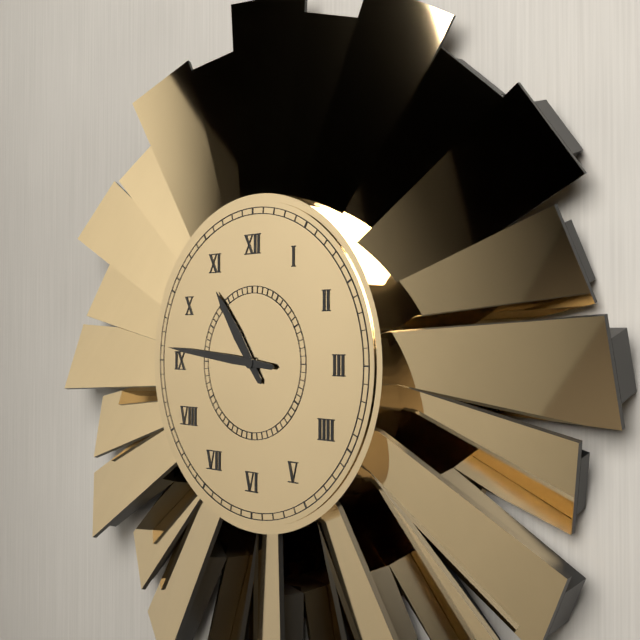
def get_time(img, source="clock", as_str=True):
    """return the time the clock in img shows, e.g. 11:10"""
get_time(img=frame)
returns 10:46
